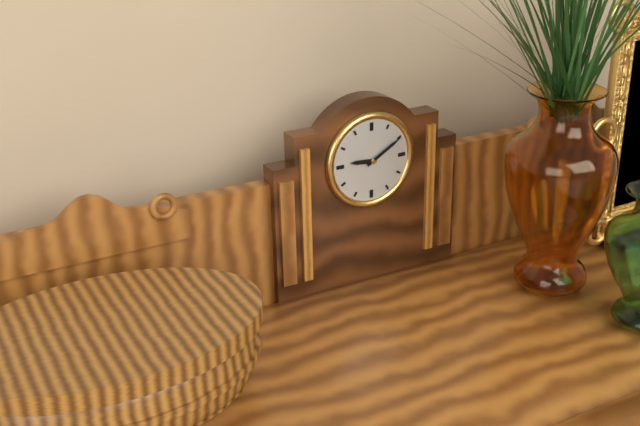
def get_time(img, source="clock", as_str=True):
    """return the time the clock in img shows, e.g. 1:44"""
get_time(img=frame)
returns 9:10
